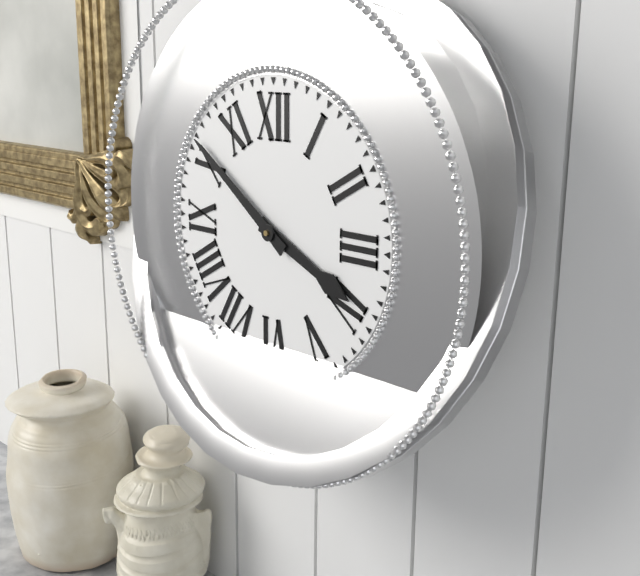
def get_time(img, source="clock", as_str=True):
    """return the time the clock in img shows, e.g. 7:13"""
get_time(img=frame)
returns 3:51
